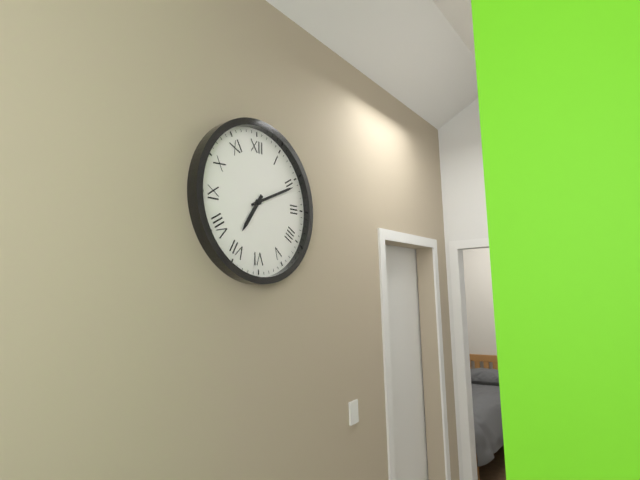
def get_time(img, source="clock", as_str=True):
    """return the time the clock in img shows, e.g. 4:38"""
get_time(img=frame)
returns 7:11
